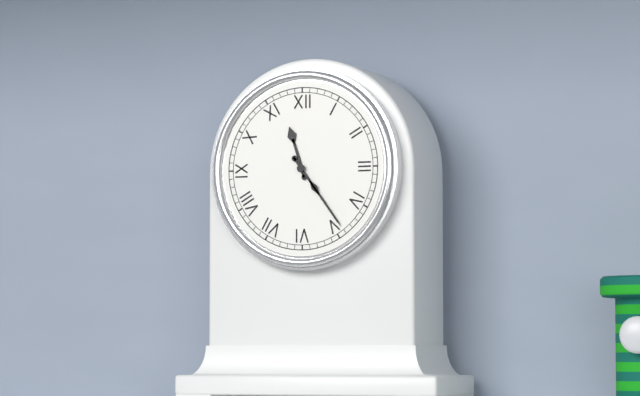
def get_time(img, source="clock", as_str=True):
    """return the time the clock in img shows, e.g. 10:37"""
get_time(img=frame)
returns 11:24
